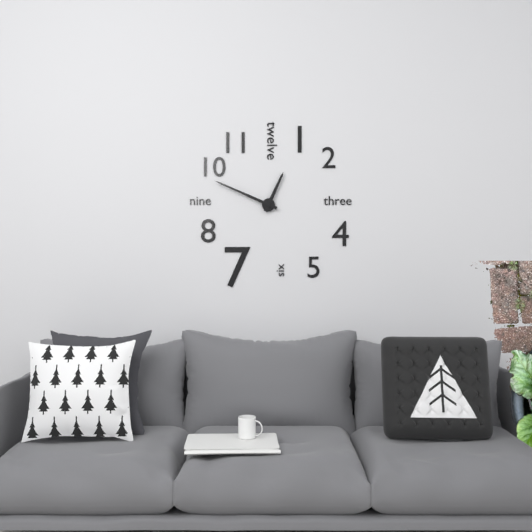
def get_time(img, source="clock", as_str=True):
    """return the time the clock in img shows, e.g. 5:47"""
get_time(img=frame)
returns 12:49
